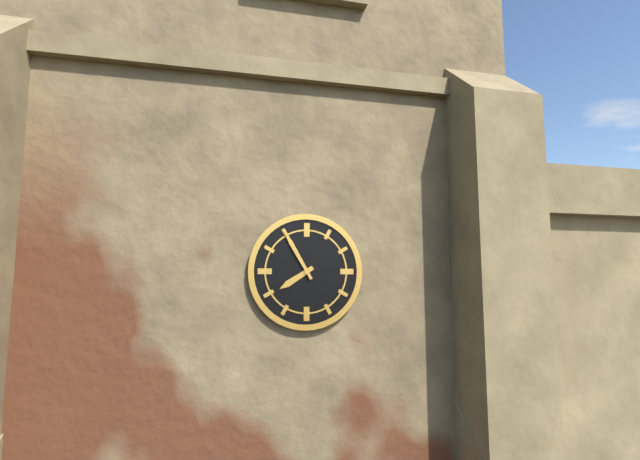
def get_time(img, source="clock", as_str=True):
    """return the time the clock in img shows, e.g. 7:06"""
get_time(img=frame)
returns 7:55
